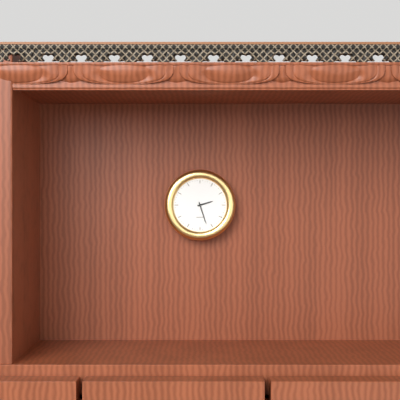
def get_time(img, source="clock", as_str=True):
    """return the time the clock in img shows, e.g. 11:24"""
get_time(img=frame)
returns 2:27
